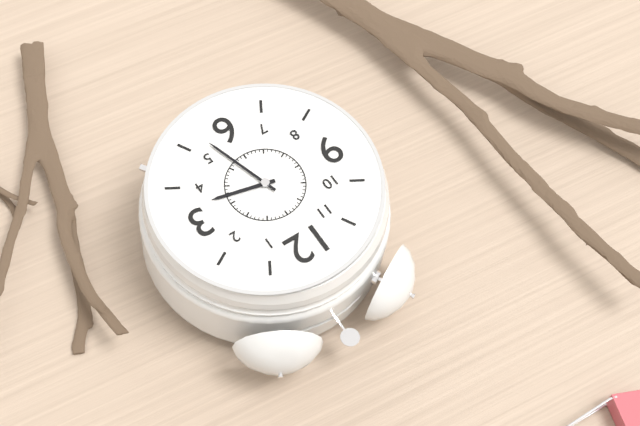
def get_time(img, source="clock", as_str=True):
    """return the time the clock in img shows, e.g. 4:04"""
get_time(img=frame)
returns 3:27
